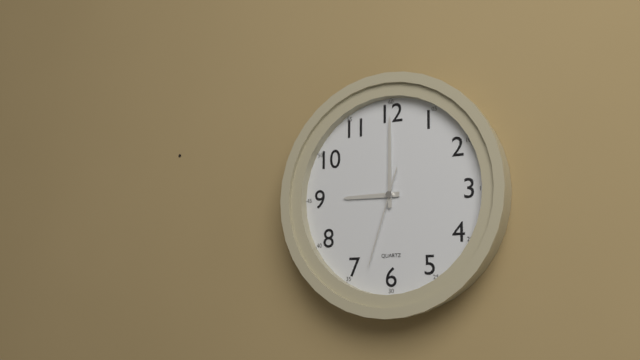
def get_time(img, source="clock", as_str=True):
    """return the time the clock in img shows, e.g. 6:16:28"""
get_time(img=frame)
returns 9:00:33
